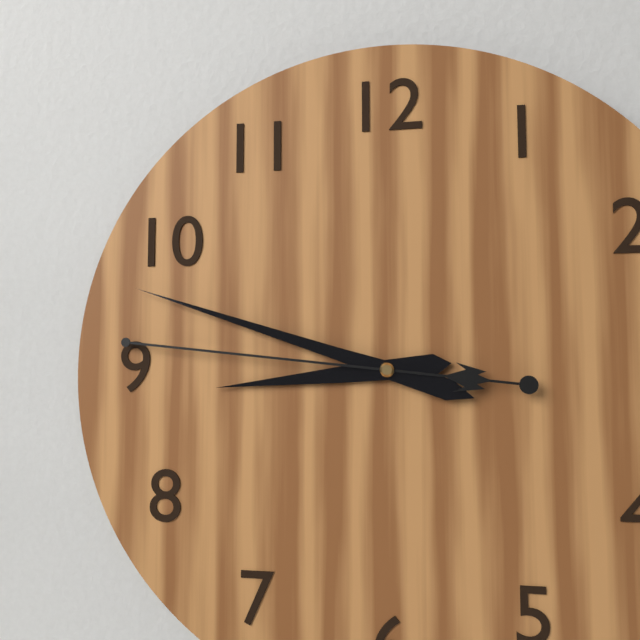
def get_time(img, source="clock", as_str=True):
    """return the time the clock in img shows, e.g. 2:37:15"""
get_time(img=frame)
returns 8:48:46
